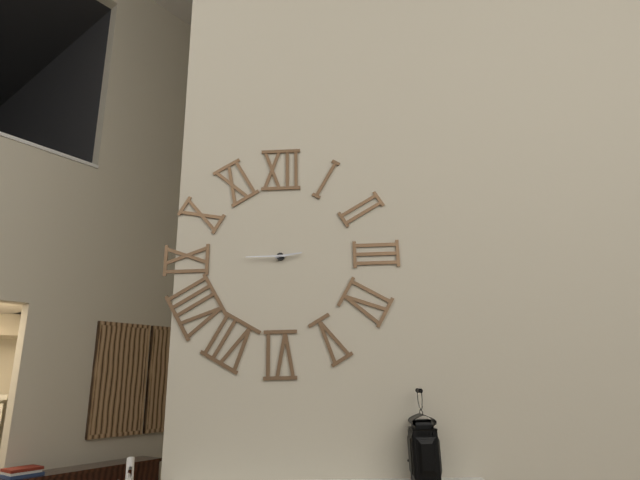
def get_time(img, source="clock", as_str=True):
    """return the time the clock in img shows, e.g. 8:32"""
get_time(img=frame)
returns 2:45
